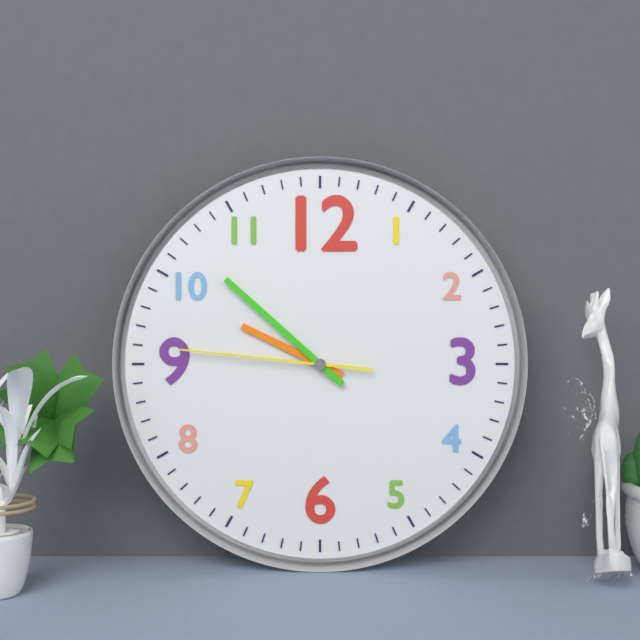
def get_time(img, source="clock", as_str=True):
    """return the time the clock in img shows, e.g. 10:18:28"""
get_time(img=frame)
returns 9:52:46
